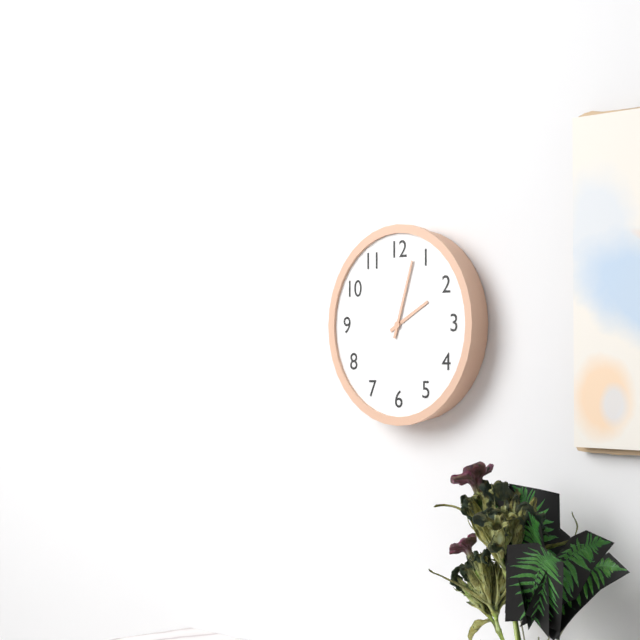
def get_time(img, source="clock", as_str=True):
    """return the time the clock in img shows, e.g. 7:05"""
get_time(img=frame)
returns 2:03
